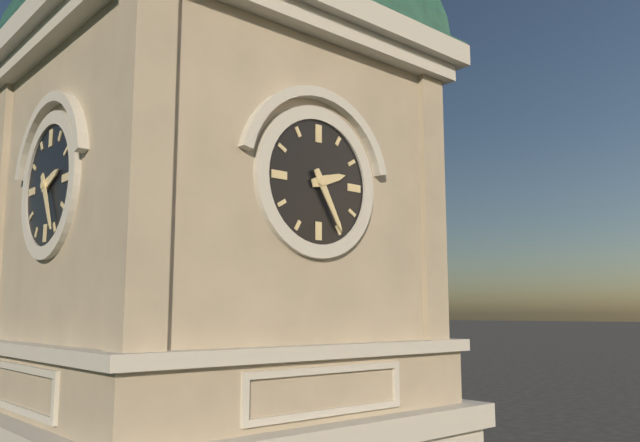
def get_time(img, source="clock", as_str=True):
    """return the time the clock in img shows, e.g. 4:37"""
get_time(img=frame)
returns 2:25
